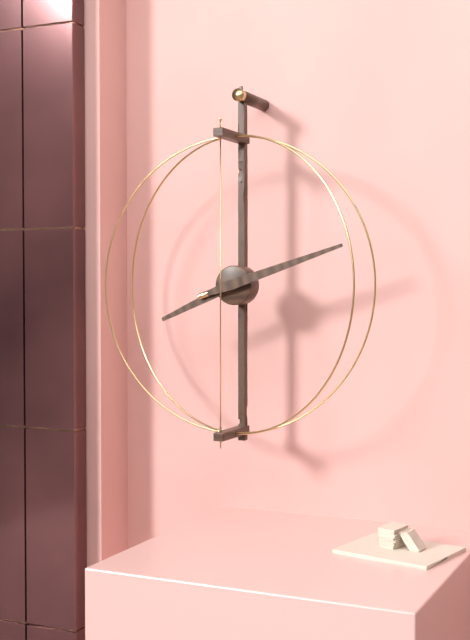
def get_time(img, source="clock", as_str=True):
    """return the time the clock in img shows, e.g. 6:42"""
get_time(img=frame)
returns 8:12
